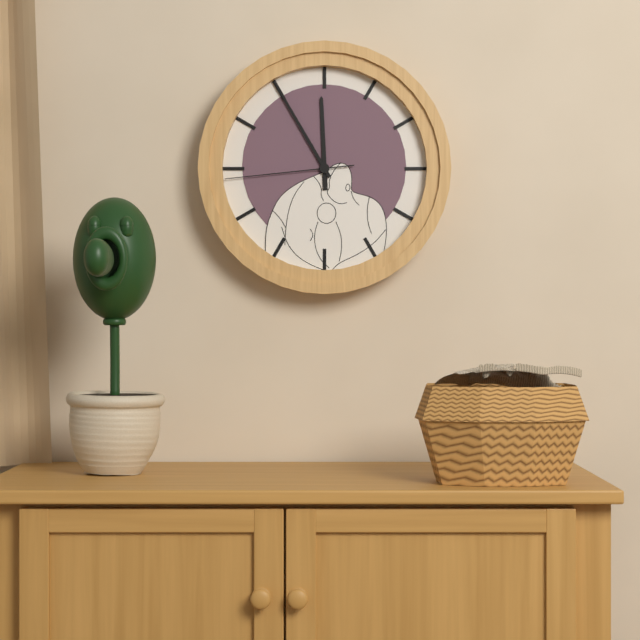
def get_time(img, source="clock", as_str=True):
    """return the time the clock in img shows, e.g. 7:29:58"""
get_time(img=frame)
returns 11:55:44
